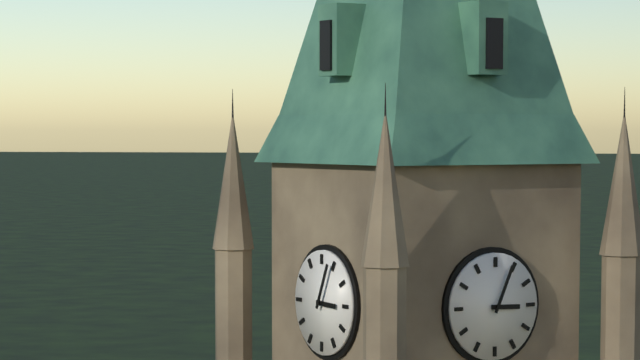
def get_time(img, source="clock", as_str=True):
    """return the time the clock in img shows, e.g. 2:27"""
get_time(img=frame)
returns 3:04
